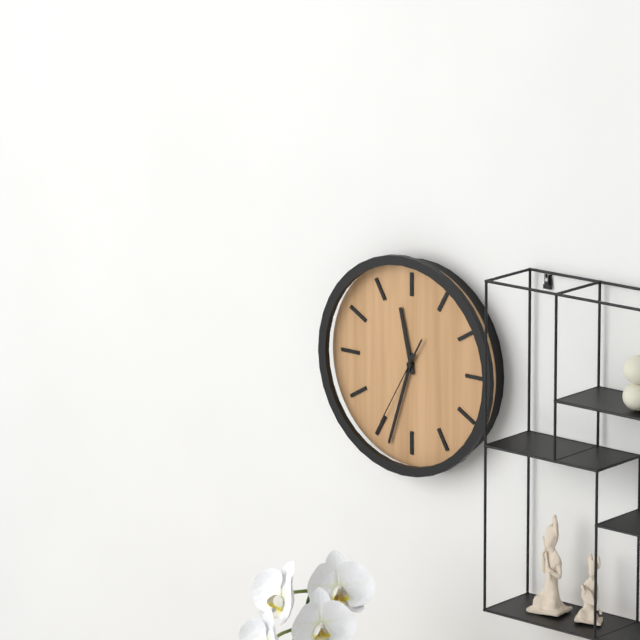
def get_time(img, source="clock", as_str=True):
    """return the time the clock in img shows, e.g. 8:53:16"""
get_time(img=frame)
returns 11:33:35
